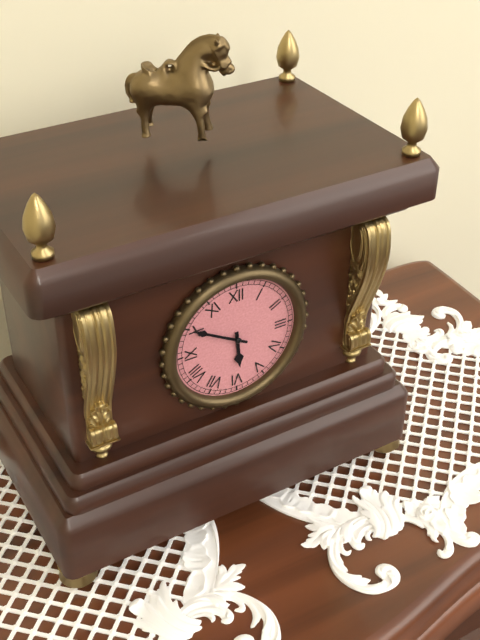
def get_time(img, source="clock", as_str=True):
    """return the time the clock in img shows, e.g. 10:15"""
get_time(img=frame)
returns 5:50
